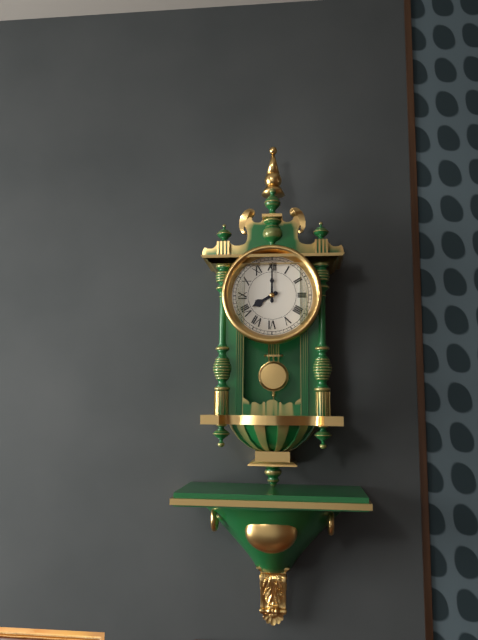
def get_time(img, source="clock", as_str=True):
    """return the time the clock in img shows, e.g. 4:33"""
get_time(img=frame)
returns 8:00
